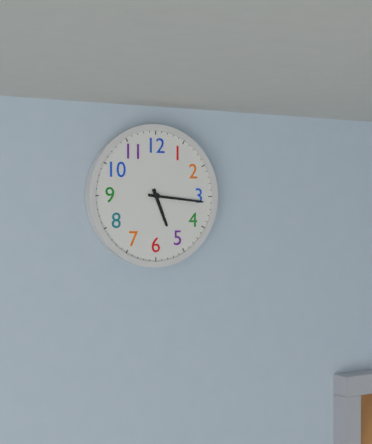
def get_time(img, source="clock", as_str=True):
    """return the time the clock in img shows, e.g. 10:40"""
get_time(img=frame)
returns 5:16
